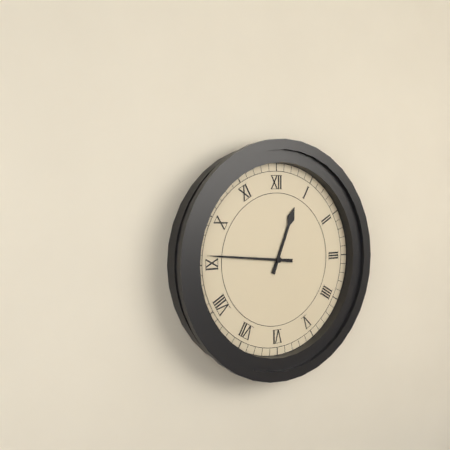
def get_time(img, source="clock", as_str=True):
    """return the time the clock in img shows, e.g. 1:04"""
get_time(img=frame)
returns 12:46
